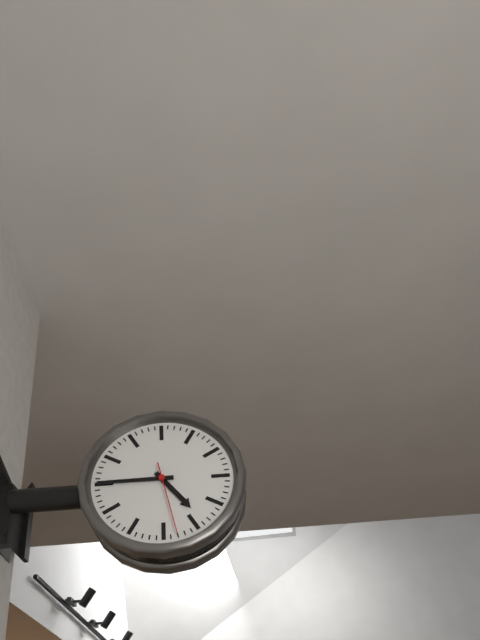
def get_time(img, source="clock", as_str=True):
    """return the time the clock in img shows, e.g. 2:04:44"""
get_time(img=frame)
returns 4:45:28
